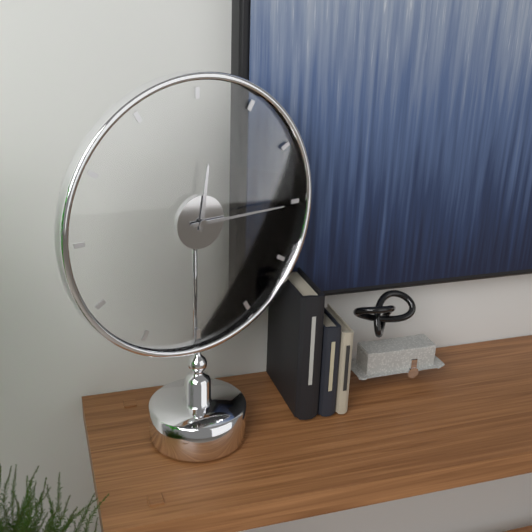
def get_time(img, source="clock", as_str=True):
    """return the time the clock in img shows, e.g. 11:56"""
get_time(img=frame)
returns 12:15
